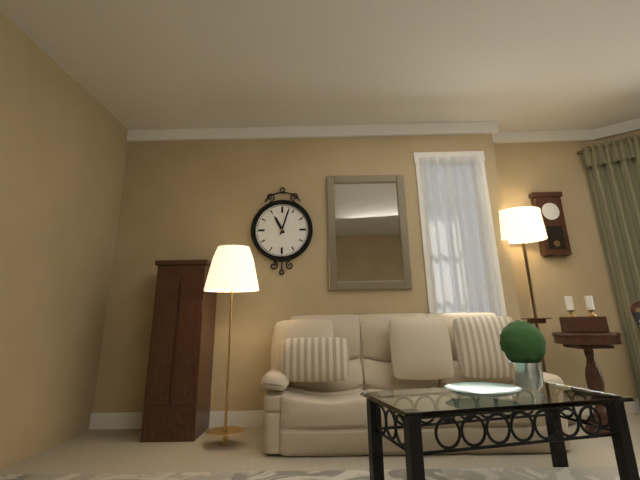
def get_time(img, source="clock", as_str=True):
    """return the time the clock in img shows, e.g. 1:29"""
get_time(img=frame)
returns 11:03
